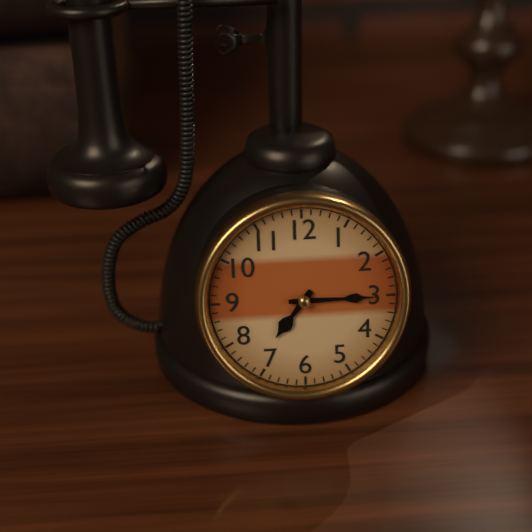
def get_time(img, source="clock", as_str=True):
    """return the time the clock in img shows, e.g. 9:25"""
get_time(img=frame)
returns 7:15
